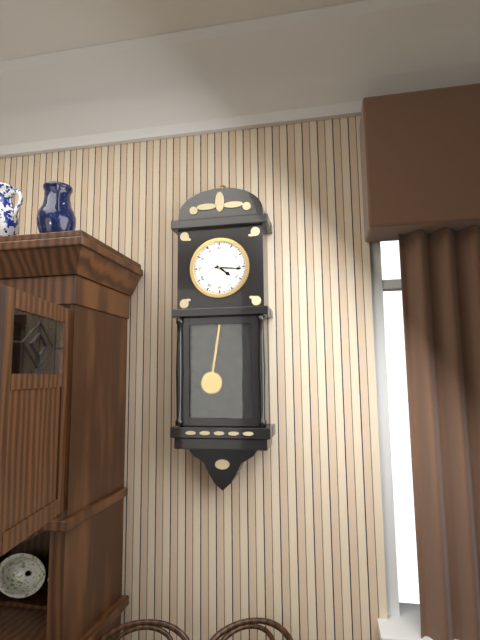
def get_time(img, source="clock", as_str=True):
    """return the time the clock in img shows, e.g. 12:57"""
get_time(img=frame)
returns 4:16
